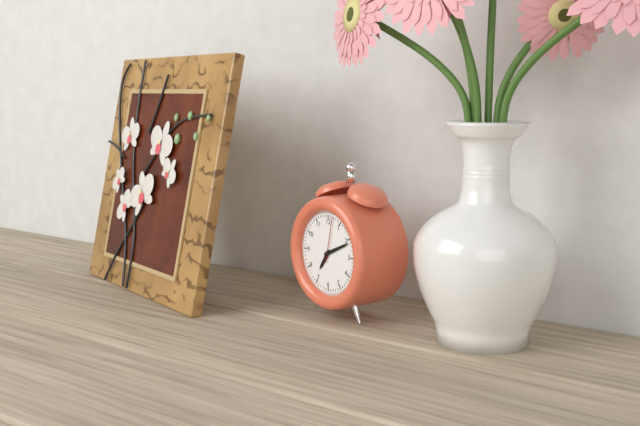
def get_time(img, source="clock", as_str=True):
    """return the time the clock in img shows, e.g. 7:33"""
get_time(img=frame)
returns 7:11
